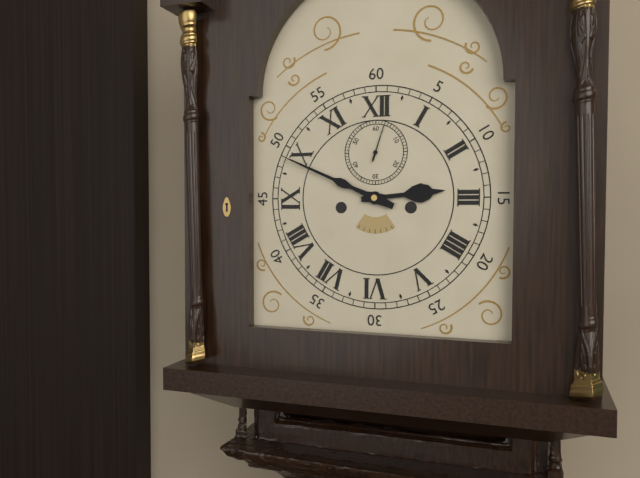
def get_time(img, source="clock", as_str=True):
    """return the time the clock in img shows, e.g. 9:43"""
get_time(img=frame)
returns 2:49
